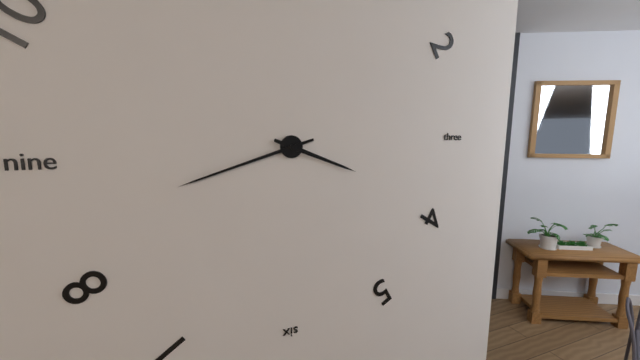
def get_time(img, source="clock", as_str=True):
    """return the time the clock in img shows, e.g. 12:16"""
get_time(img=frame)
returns 3:42
